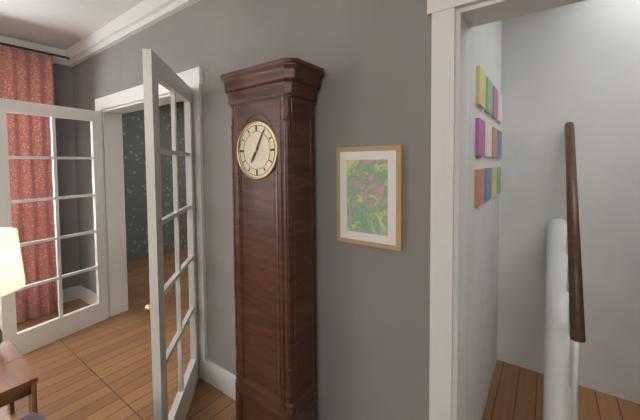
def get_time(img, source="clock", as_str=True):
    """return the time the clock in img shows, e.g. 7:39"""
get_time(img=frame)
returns 7:05
